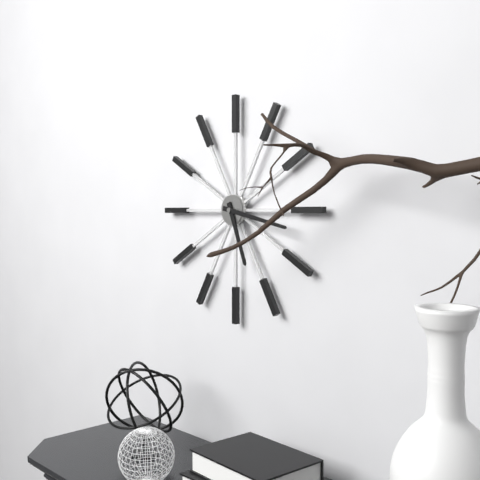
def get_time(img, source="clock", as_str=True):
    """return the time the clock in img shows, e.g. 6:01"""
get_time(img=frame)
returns 5:17
